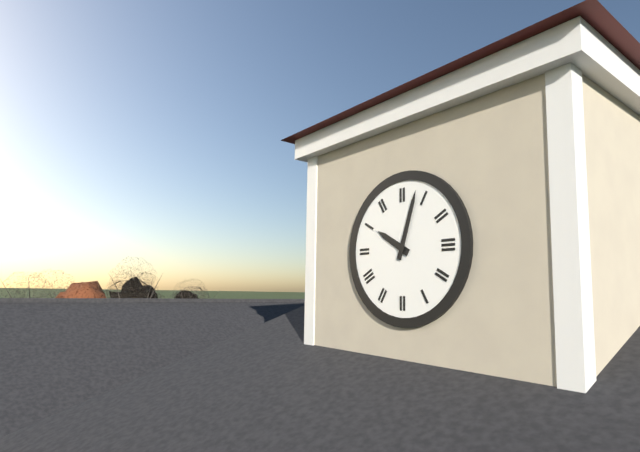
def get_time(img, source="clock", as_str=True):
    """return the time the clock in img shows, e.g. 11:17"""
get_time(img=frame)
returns 10:03
